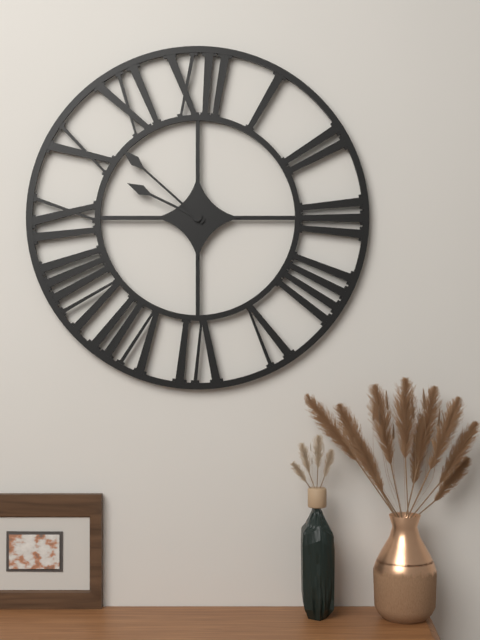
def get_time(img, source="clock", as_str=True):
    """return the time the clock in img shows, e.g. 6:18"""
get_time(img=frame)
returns 9:52
